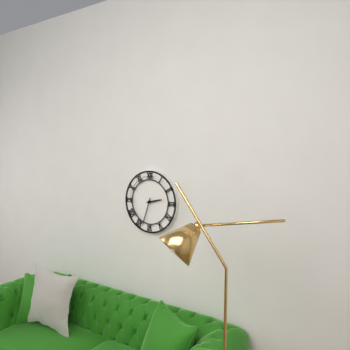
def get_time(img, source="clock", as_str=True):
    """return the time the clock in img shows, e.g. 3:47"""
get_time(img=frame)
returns 2:33
